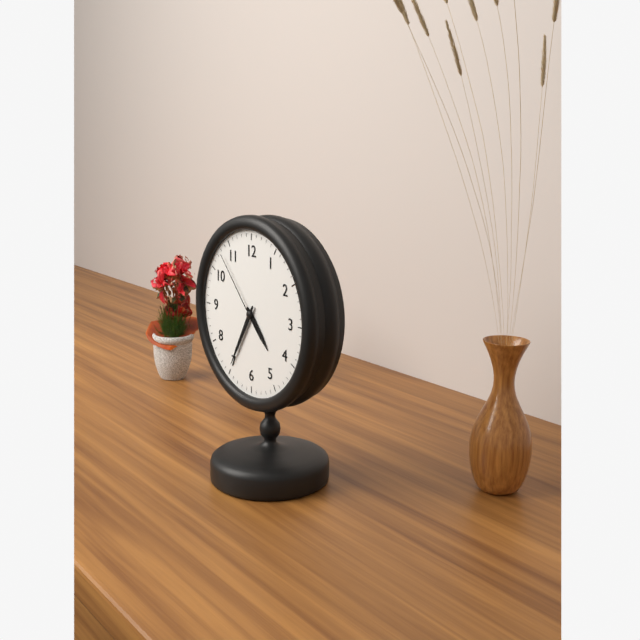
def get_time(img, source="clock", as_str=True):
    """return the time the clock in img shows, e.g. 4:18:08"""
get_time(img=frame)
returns 4:35:53
